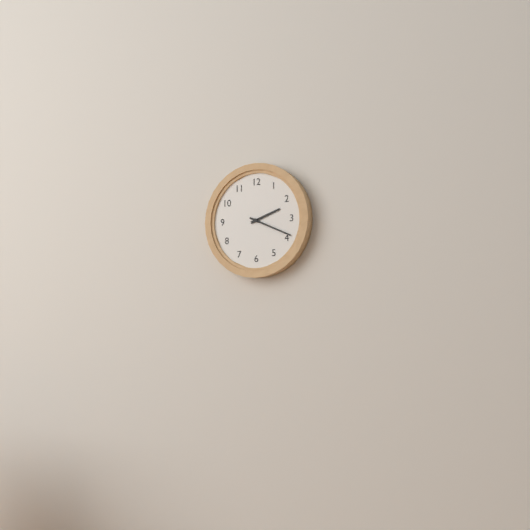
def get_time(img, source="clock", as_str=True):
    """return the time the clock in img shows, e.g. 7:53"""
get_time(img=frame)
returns 2:19
